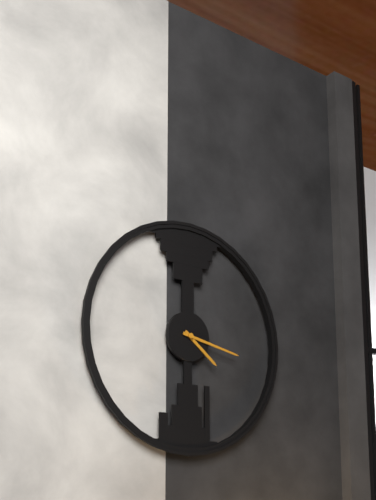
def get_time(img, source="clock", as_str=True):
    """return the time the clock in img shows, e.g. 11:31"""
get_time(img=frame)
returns 4:17
